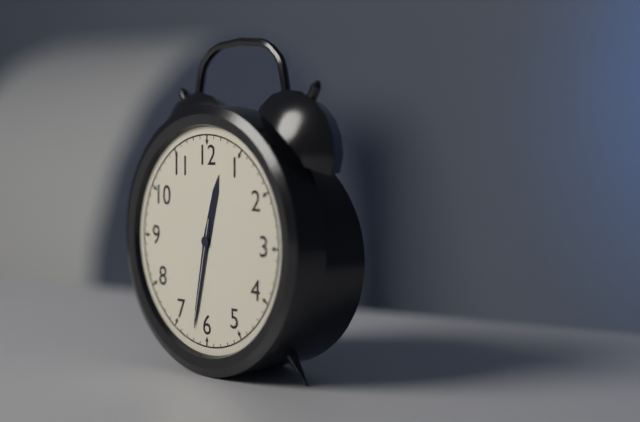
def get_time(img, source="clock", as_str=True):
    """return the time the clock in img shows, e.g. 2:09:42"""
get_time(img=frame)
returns 12:32:32
